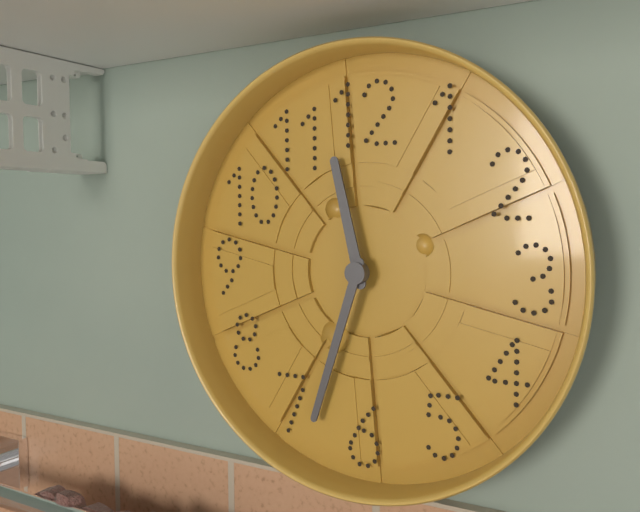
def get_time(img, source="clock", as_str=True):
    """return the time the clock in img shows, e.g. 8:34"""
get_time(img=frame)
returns 11:33
